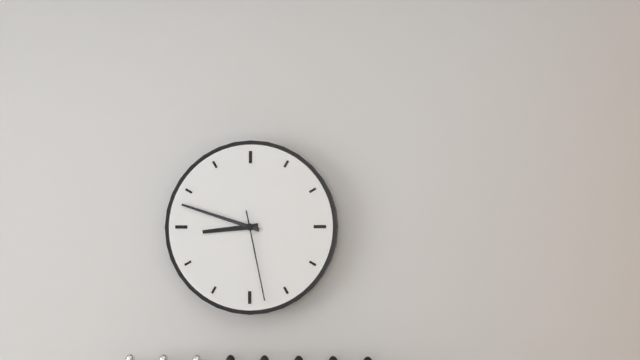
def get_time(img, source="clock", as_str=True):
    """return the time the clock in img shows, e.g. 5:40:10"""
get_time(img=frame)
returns 8:48:28
